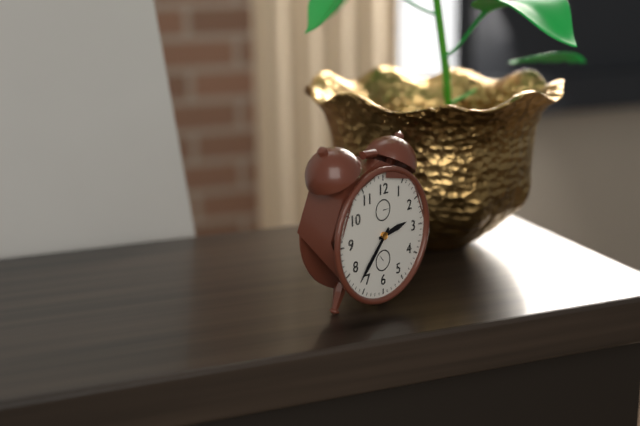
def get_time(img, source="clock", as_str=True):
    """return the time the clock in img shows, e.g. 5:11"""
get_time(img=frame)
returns 2:37
